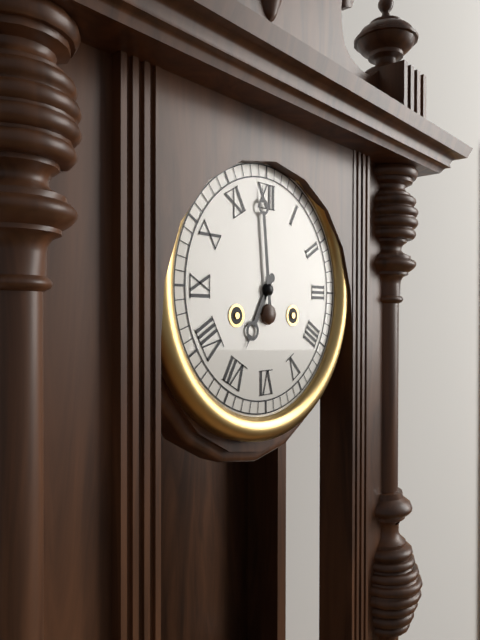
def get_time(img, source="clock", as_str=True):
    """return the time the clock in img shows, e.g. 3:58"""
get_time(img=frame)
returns 6:59
